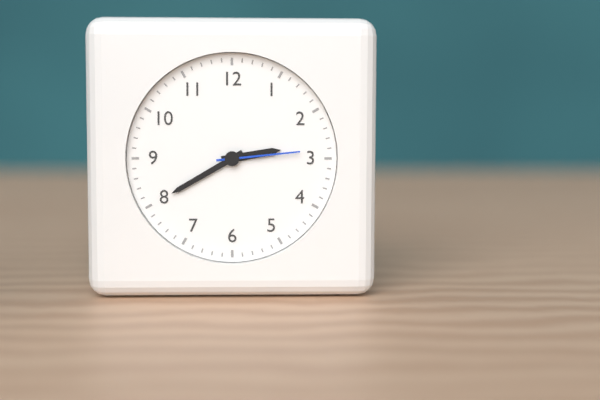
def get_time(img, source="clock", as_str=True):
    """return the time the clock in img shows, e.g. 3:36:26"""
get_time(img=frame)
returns 2:40:14
